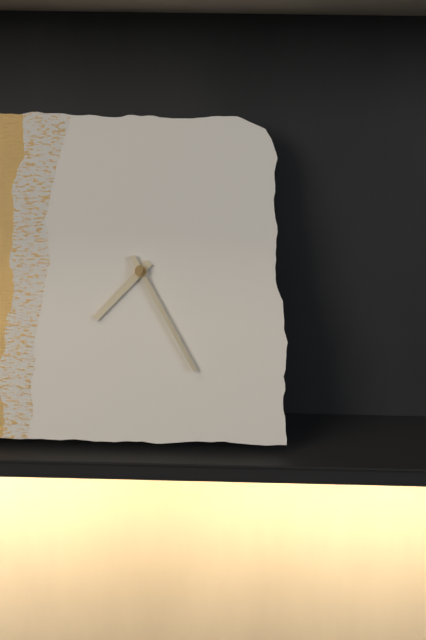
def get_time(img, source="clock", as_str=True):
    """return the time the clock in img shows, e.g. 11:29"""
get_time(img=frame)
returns 7:25
